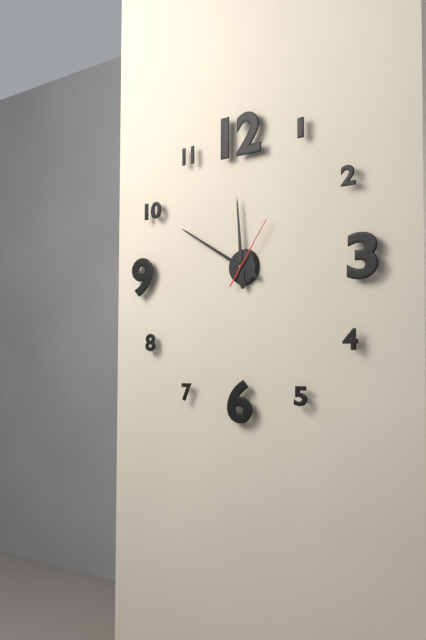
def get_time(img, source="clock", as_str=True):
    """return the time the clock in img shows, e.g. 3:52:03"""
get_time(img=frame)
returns 11:50:06
